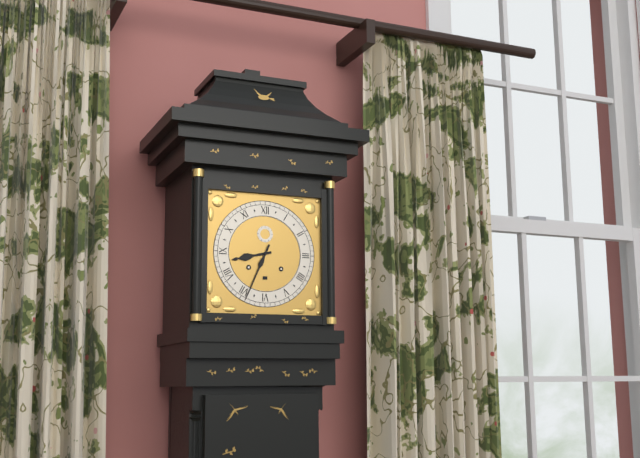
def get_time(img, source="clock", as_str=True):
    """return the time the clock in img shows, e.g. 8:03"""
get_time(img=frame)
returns 8:34
